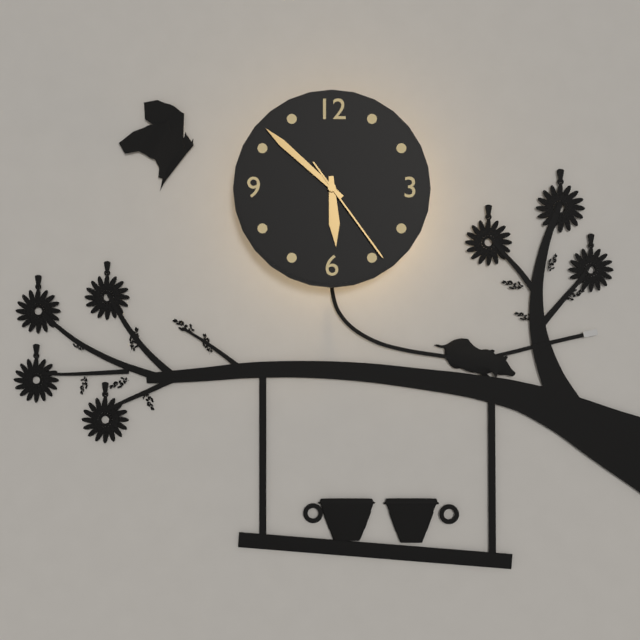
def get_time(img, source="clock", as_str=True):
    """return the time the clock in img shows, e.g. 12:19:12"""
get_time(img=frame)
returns 5:52:24
